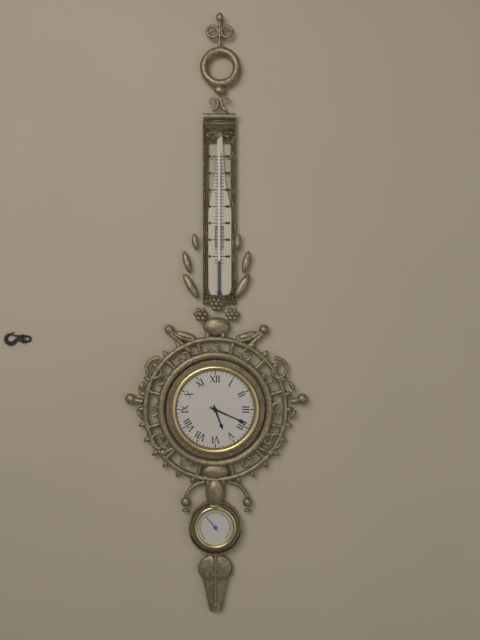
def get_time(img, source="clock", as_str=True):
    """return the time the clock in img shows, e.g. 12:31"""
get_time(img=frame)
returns 5:19
